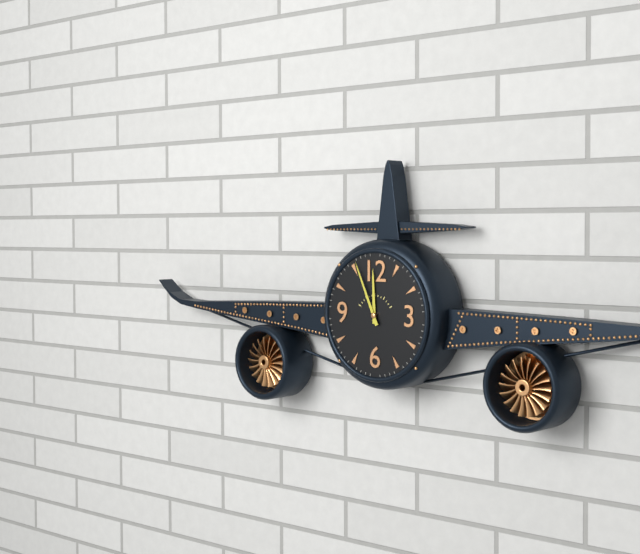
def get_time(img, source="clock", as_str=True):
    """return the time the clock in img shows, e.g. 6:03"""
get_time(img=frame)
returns 11:56
